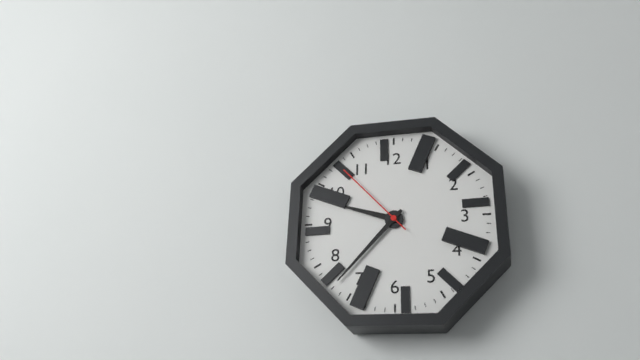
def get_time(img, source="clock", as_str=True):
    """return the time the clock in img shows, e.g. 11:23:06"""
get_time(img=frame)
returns 9:37:53
